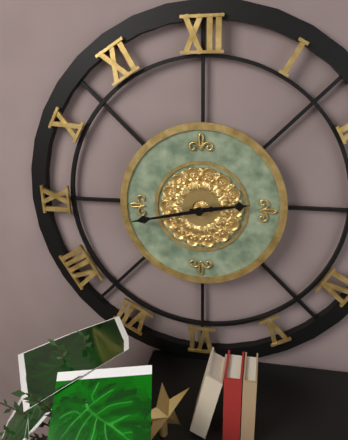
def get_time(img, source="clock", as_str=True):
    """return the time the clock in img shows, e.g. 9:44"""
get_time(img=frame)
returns 2:43
